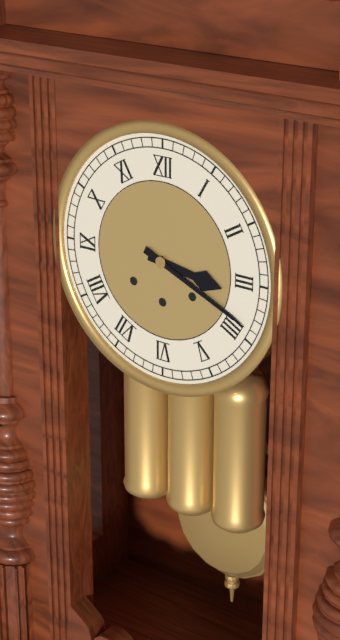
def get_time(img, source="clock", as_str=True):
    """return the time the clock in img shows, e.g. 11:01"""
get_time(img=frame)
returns 3:19
